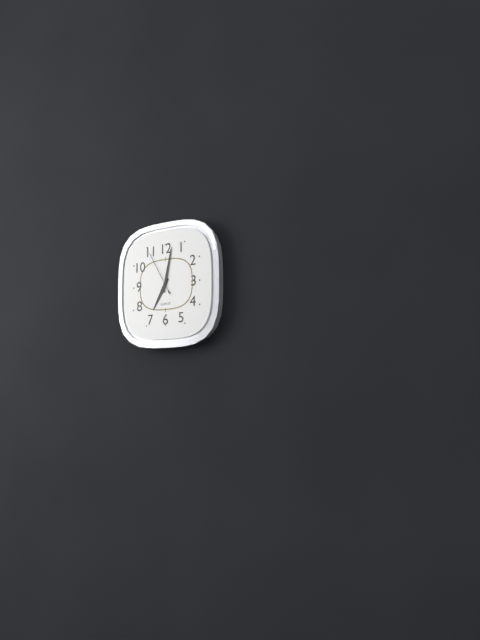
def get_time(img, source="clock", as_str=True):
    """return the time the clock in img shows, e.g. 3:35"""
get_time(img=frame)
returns 7:02
